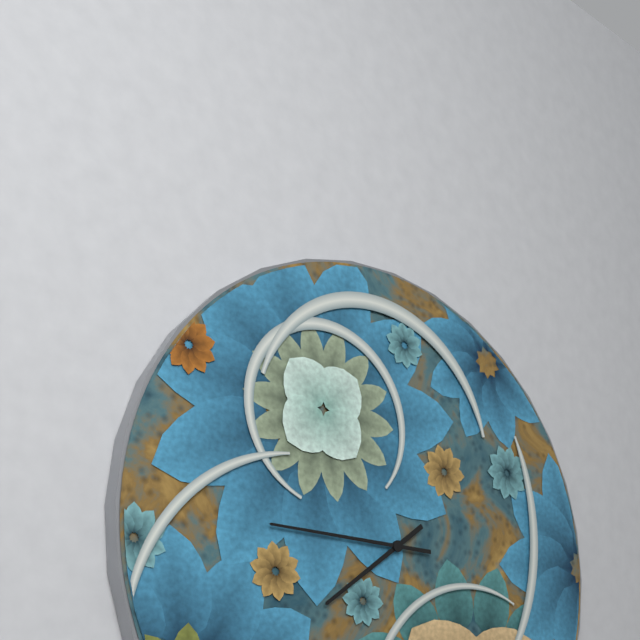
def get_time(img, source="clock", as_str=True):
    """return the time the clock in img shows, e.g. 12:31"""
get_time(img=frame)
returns 7:45
